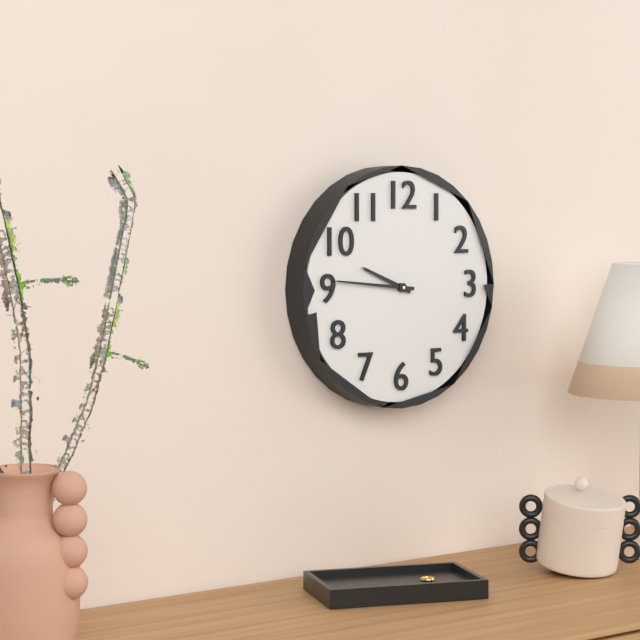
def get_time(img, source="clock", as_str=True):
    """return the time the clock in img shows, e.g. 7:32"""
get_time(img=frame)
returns 9:46
